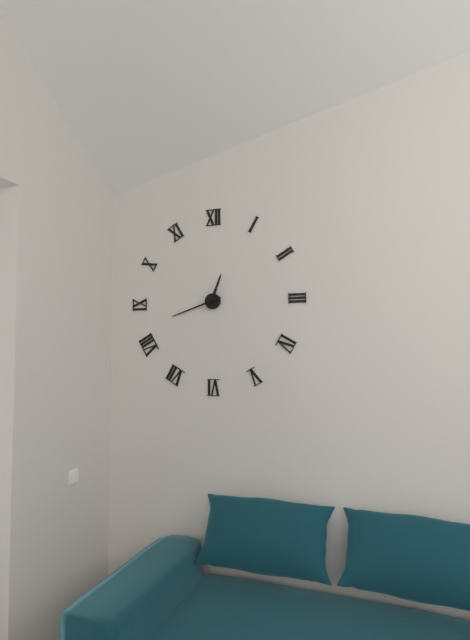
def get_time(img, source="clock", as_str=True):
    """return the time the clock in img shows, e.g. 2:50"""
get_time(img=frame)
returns 12:42
